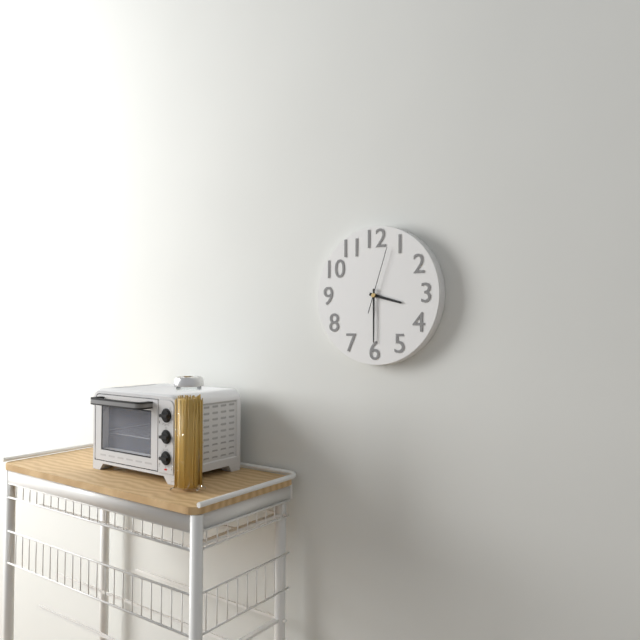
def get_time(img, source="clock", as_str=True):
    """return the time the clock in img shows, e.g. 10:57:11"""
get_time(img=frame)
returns 3:30:03
